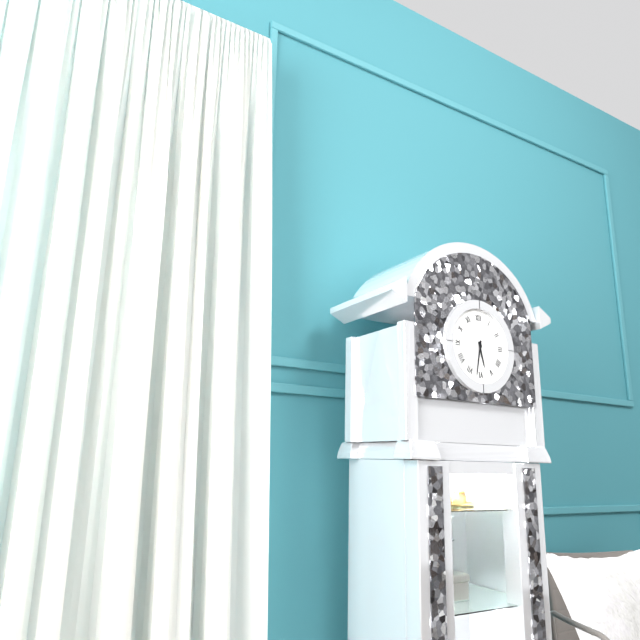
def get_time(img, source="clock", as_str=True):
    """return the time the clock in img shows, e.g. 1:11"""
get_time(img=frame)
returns 5:32
